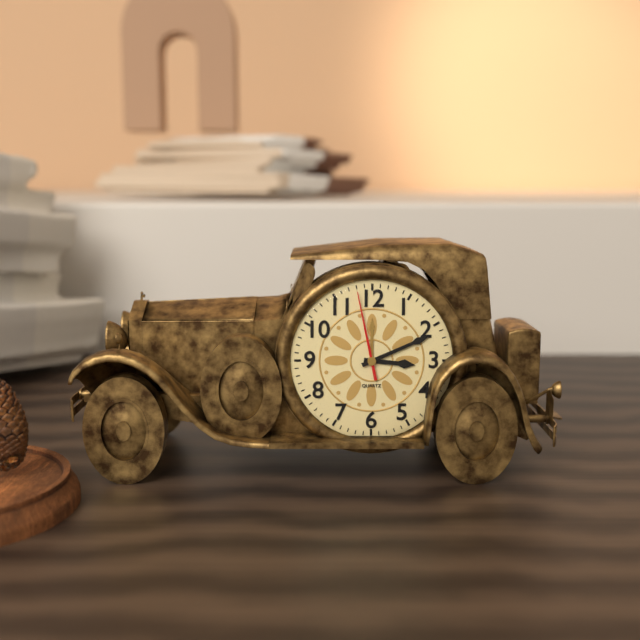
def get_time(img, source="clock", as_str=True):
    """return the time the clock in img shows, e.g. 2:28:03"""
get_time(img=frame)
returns 3:11:58
